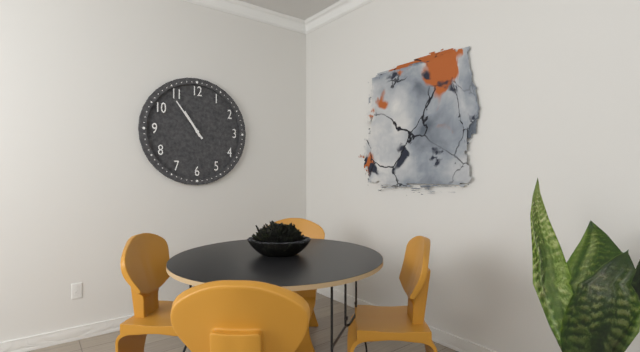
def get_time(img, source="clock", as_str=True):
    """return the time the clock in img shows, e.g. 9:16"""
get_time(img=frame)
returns 10:54
